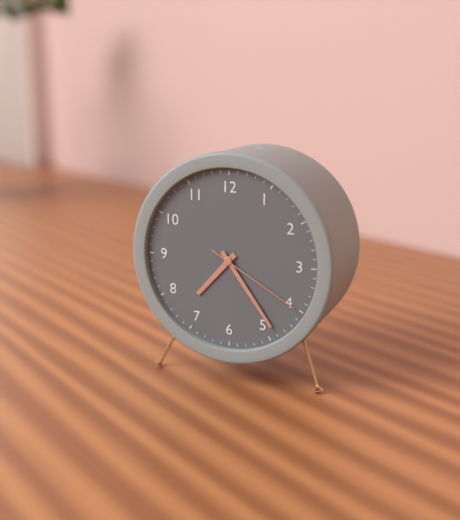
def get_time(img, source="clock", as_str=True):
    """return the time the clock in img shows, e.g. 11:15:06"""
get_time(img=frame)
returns 7:24:20
